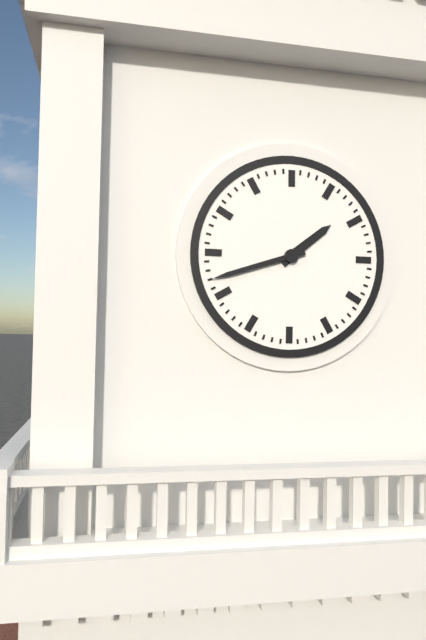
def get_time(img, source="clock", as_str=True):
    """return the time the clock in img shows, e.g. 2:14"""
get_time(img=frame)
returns 1:42
